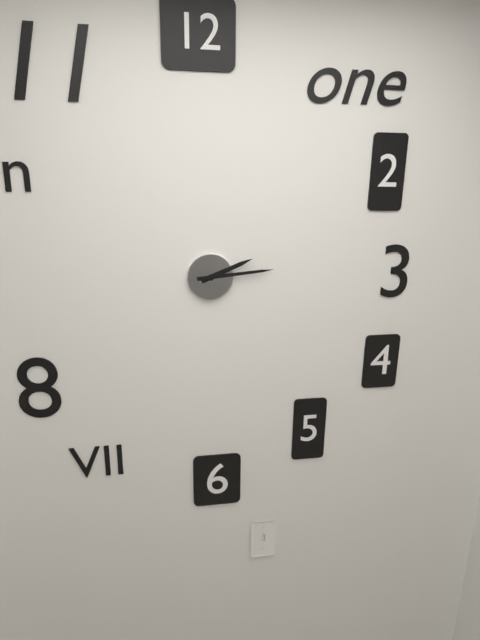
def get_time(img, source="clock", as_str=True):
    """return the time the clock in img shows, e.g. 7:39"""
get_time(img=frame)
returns 2:14
